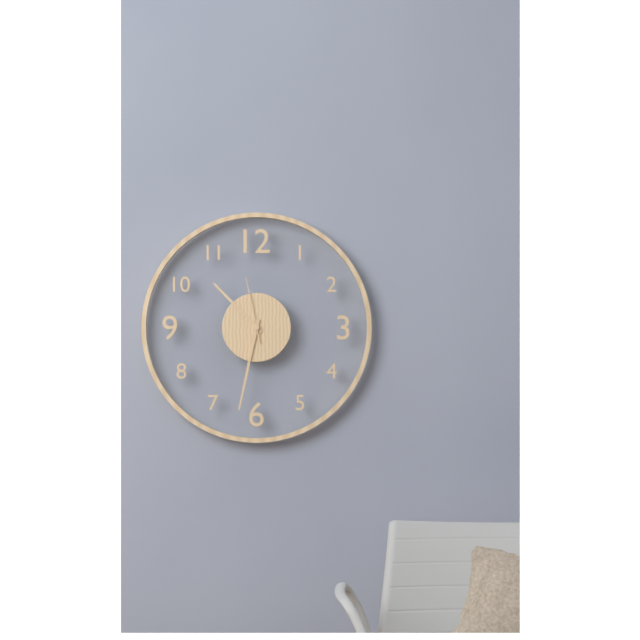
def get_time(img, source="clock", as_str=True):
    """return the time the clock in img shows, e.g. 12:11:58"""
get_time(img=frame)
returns 10:32:58
